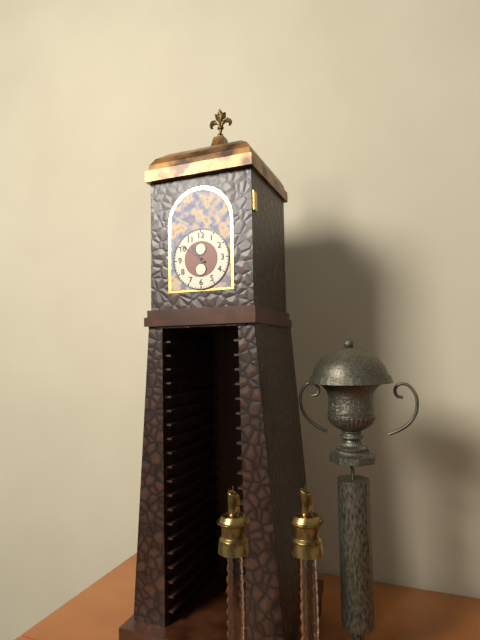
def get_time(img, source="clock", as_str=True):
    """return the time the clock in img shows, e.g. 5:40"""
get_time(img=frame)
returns 10:51
